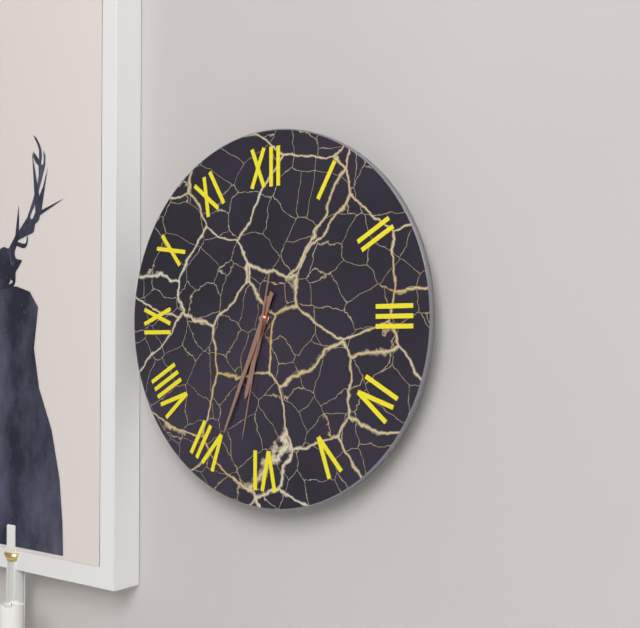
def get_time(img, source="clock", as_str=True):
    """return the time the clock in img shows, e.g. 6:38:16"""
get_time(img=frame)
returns 6:34:32
